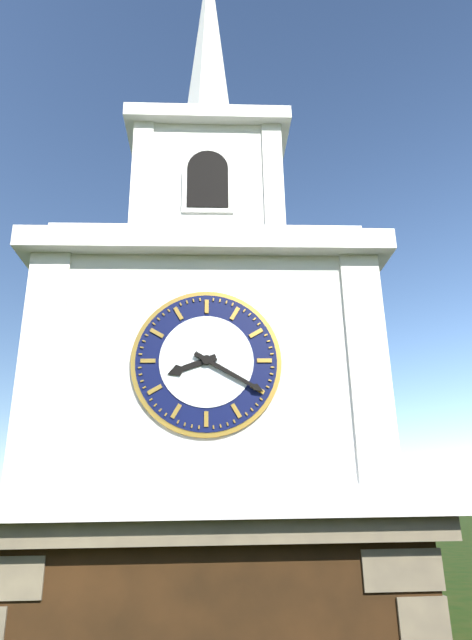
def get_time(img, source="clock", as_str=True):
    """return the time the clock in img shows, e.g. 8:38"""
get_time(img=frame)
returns 8:20
